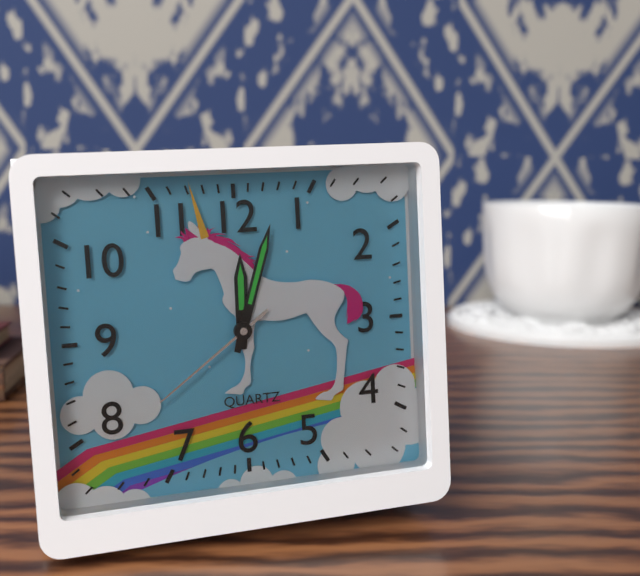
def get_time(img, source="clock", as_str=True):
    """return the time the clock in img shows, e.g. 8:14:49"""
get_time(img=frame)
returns 12:03:39
